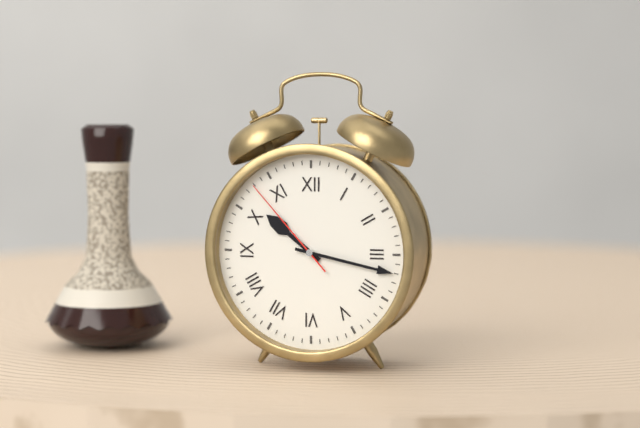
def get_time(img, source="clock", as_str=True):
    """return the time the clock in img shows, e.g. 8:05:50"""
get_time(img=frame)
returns 10:17:53
